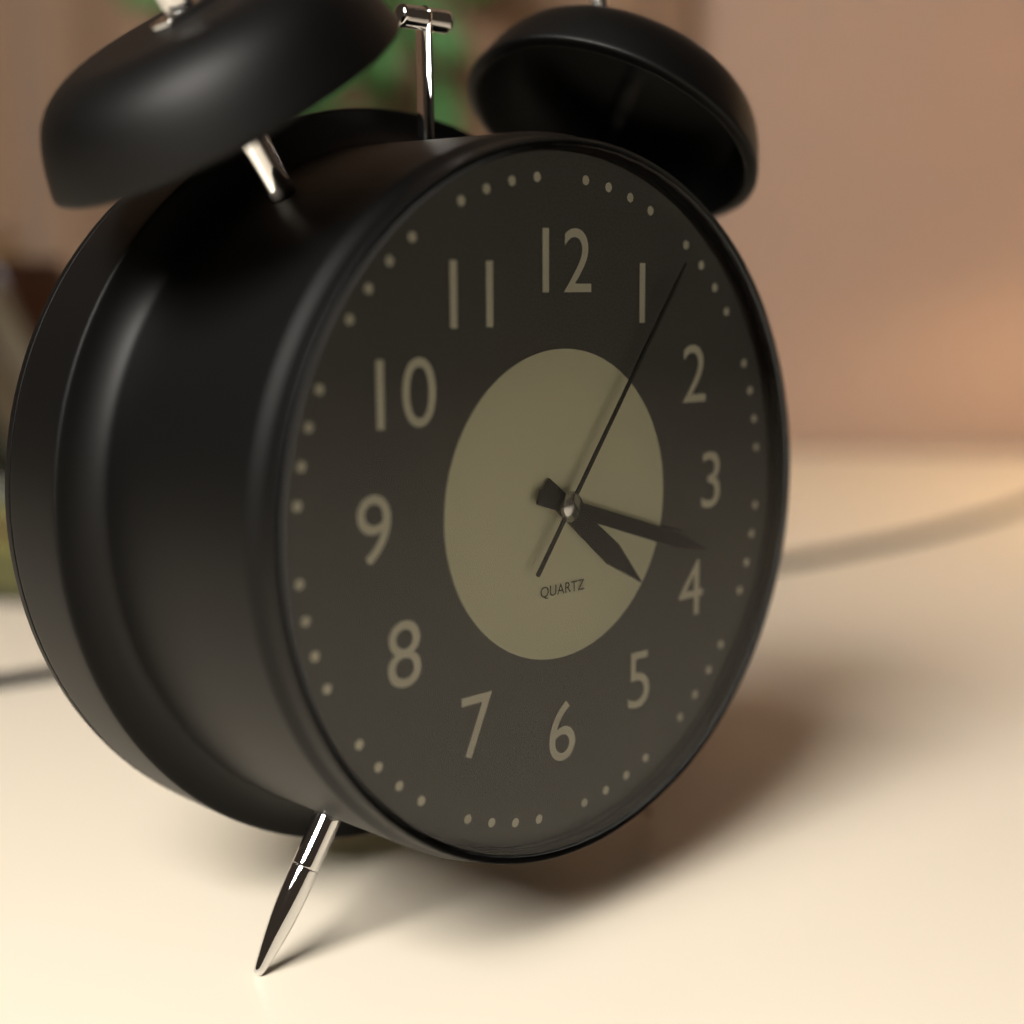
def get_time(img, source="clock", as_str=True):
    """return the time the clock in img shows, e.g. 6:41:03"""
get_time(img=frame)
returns 4:18:06
